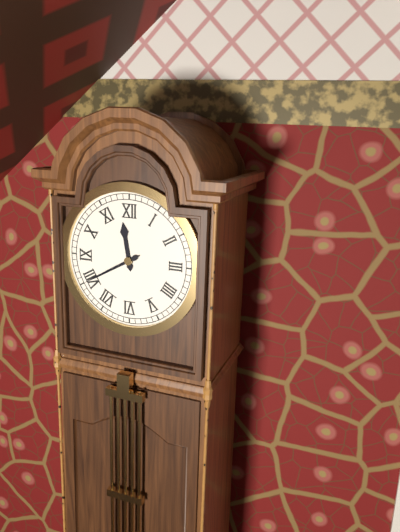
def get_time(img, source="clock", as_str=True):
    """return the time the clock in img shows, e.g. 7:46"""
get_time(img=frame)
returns 11:40
